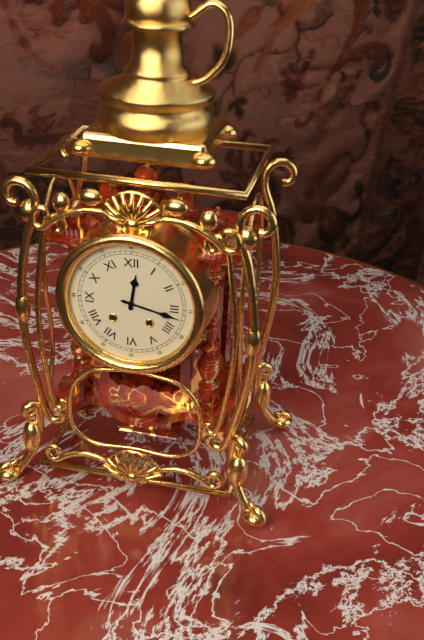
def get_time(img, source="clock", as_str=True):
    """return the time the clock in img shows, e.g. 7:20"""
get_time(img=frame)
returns 12:17
